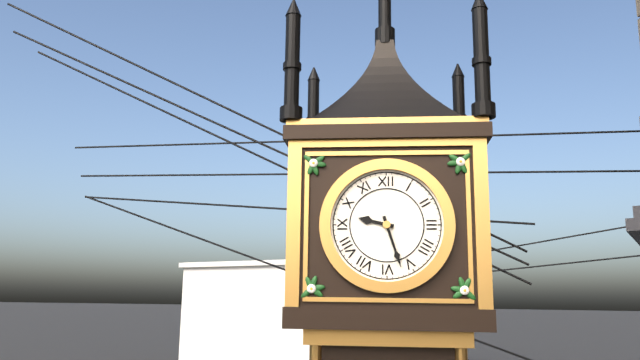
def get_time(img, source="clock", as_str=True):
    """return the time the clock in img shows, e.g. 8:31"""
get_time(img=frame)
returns 9:27
